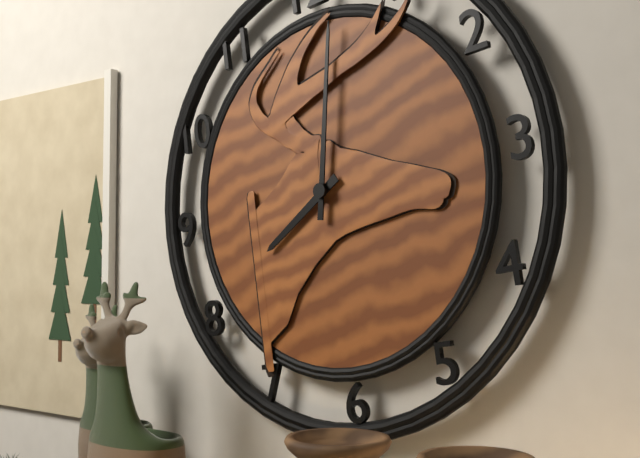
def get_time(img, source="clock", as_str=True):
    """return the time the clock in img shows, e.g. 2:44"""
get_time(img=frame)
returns 8:02
